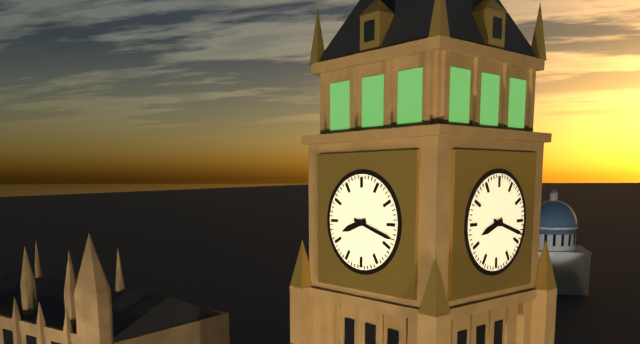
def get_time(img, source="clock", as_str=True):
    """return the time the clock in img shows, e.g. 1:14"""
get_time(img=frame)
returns 8:18
